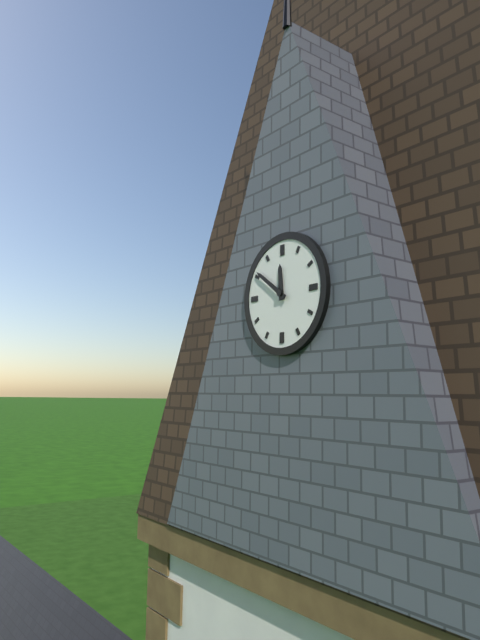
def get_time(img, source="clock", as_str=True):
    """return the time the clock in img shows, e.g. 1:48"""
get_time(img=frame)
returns 11:51
